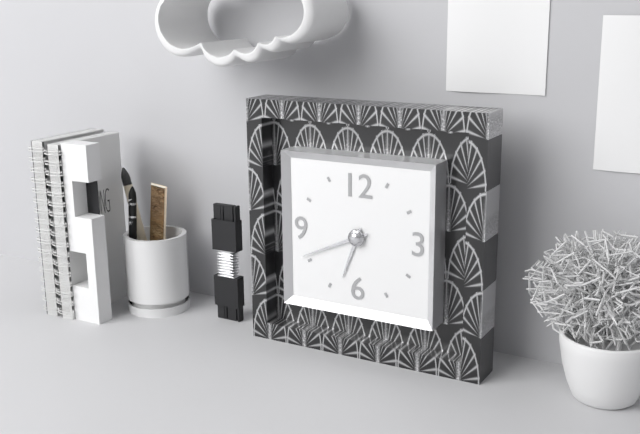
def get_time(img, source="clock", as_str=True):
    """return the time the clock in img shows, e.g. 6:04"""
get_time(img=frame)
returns 6:41
